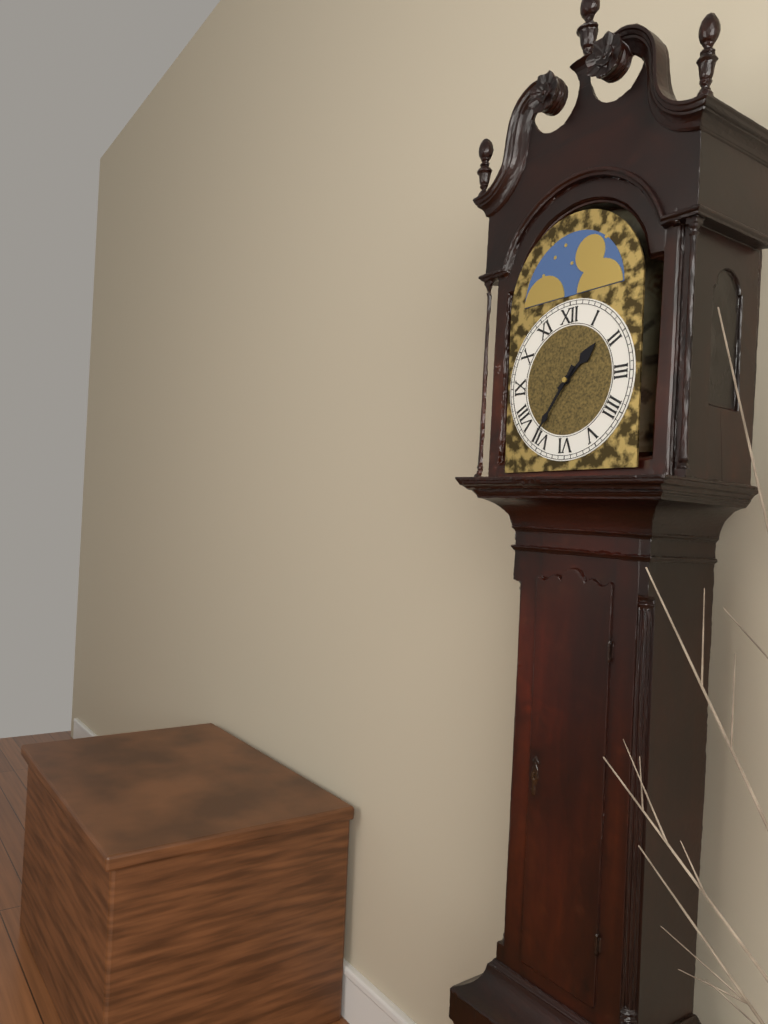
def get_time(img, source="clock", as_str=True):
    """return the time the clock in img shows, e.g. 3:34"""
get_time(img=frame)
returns 1:36
